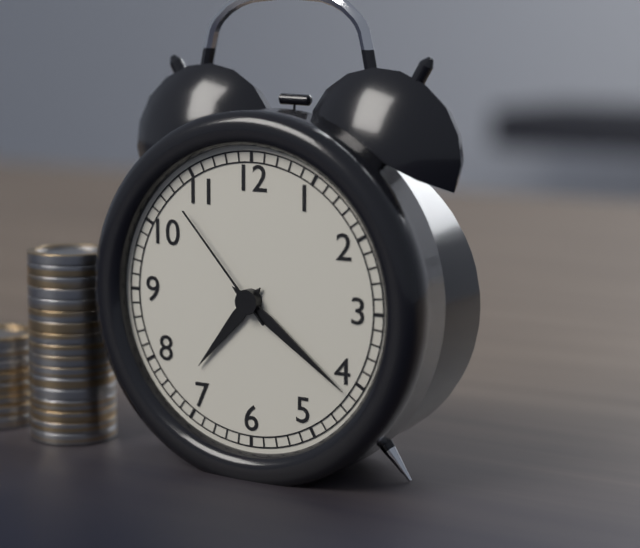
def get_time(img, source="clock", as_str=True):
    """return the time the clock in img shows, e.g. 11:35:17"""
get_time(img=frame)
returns 7:21:53
